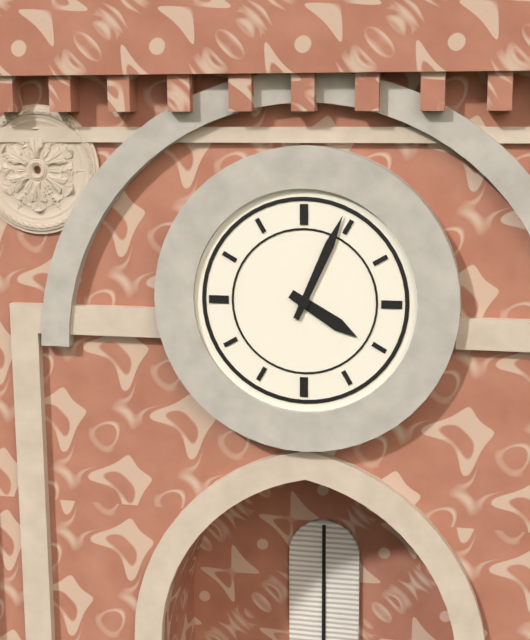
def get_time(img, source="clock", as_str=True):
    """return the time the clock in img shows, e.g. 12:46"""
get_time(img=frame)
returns 4:04
